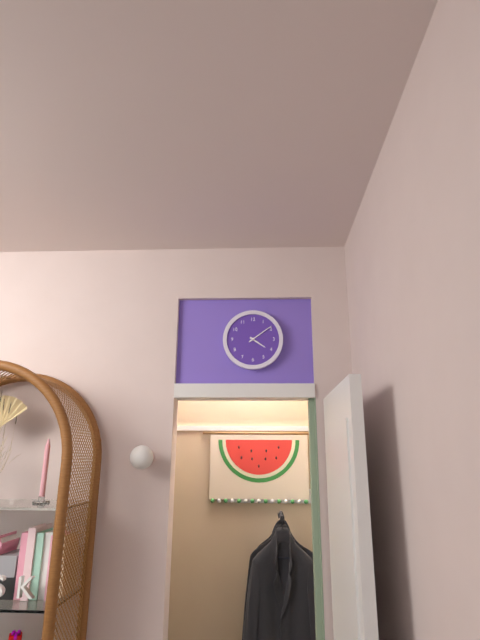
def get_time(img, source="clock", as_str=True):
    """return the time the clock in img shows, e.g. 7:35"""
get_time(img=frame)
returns 4:09
